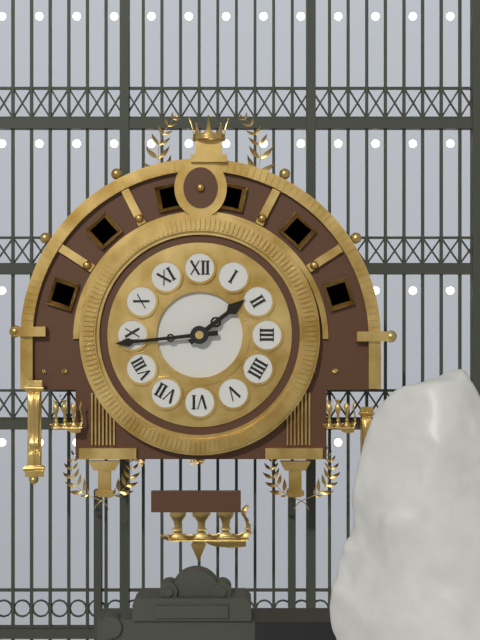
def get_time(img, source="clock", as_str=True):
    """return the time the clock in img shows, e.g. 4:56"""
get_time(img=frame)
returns 1:44
